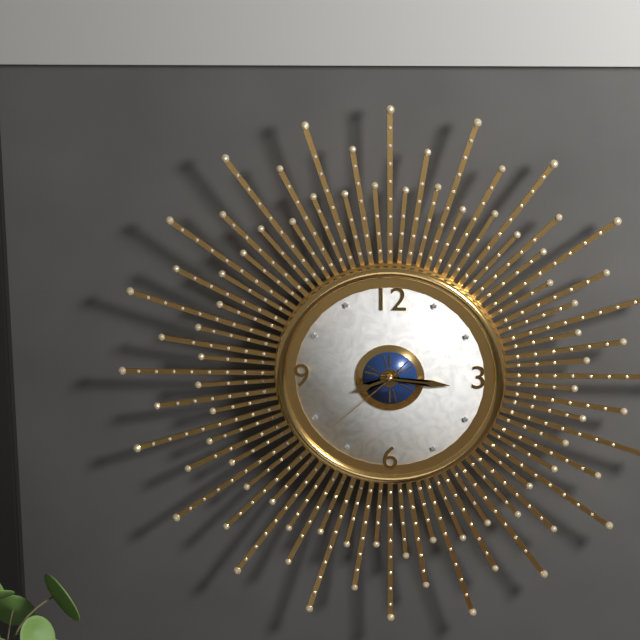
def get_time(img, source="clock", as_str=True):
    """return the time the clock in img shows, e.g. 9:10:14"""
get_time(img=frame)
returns 8:16:38
